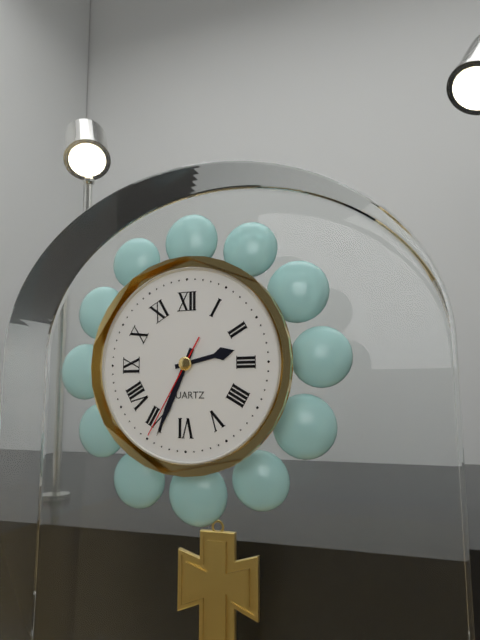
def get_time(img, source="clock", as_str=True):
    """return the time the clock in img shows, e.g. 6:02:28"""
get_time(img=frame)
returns 2:34:35
